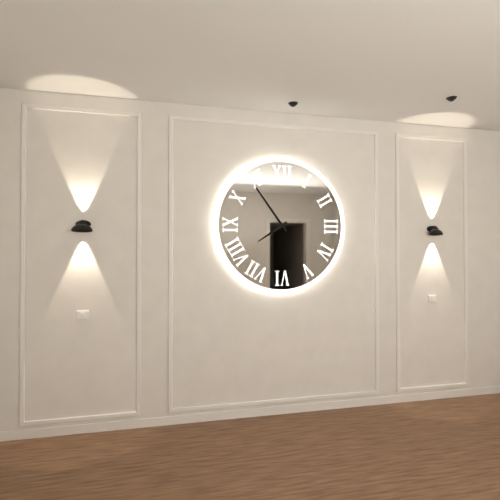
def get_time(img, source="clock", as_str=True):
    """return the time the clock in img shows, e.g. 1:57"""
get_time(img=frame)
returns 7:54
